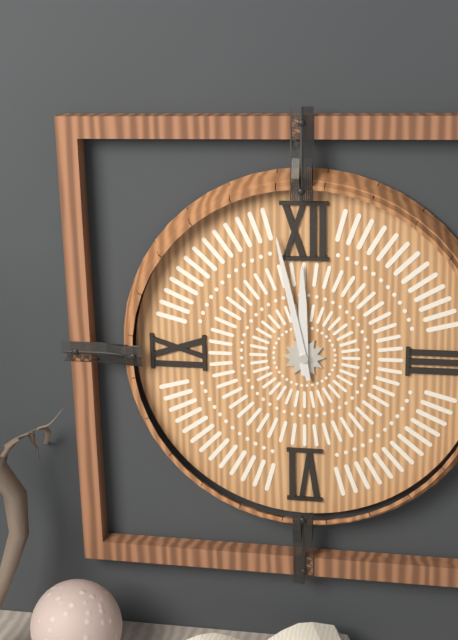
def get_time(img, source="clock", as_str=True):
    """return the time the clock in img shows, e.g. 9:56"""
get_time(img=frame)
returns 11:58
